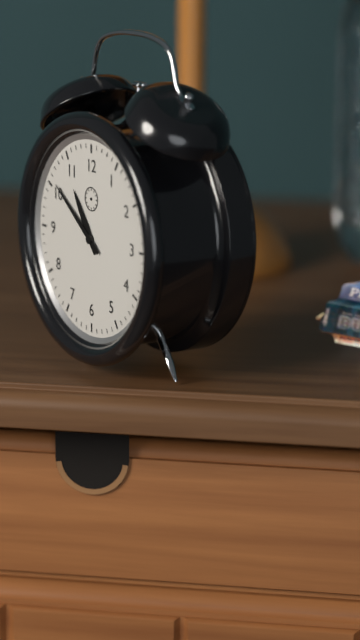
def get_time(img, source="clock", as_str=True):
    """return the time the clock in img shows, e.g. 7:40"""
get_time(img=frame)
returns 10:51
